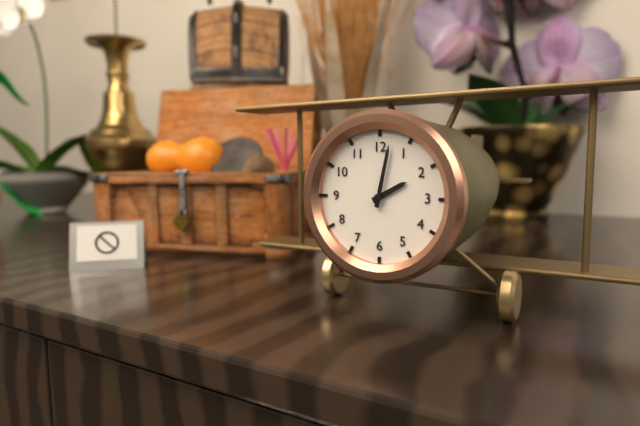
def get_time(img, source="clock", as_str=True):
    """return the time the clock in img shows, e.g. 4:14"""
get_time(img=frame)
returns 2:02
